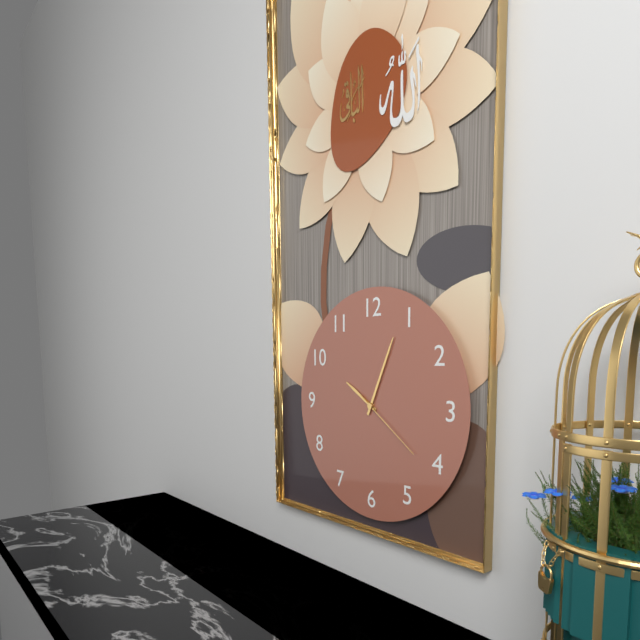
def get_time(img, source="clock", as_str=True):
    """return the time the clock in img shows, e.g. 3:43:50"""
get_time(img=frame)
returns 10:04:21
